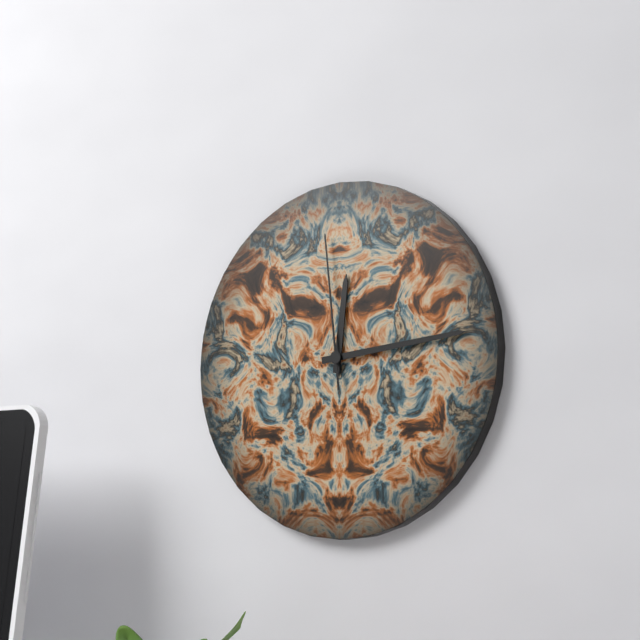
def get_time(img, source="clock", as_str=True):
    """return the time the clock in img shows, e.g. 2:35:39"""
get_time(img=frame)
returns 12:14:59
